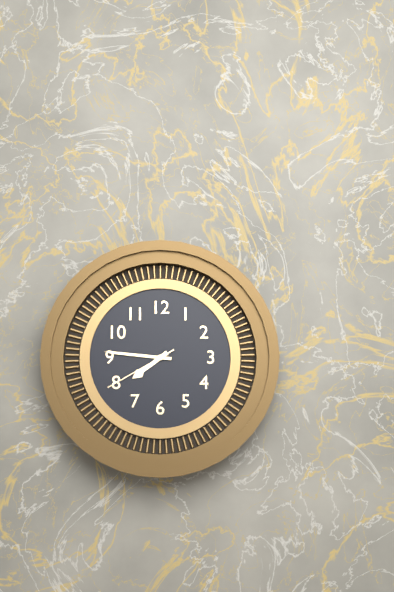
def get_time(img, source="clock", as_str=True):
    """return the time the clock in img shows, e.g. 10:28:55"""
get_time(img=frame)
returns 7:46:40
